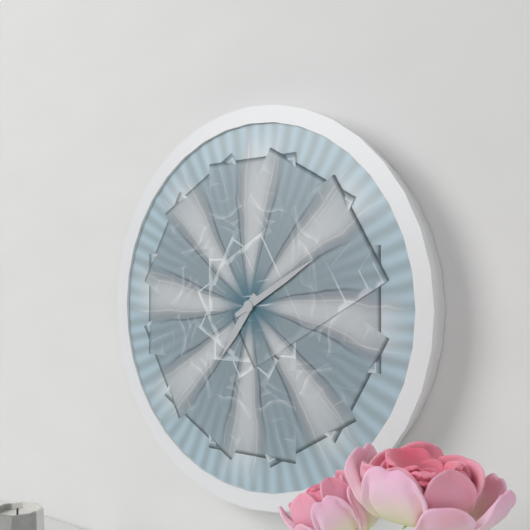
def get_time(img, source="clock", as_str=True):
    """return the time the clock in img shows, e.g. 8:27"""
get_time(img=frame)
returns 7:10
